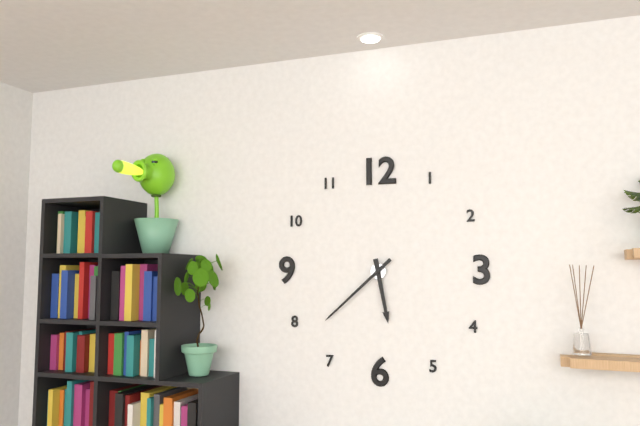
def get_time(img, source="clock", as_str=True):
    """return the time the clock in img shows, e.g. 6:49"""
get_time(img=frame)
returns 5:38
